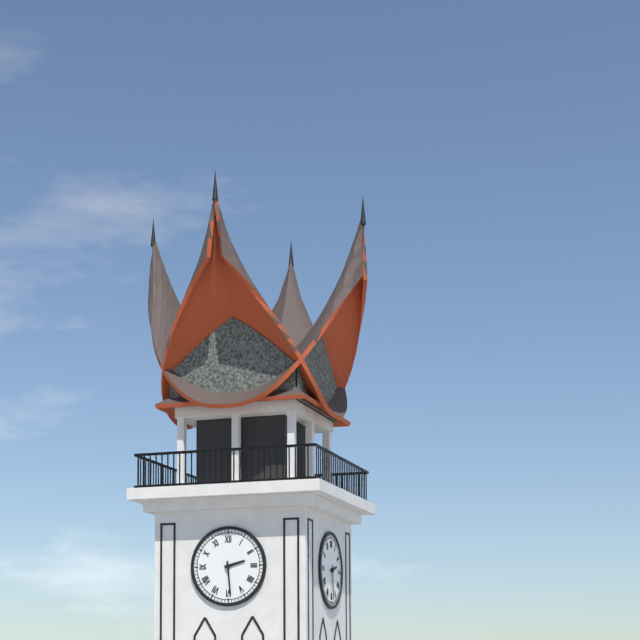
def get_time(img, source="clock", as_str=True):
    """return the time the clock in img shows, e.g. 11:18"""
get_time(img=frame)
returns 2:29
